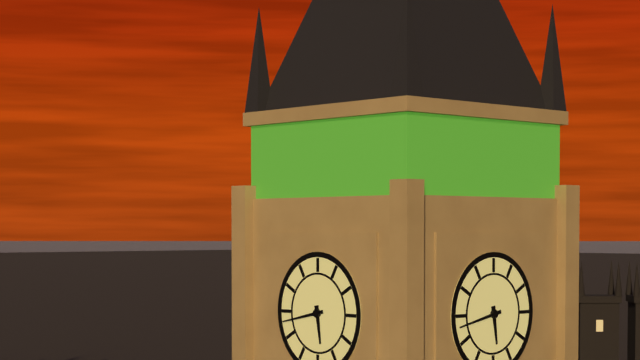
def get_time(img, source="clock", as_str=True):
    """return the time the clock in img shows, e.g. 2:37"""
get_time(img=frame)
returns 5:43
